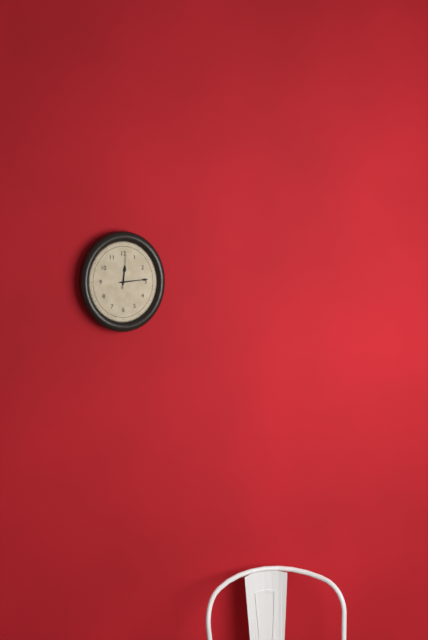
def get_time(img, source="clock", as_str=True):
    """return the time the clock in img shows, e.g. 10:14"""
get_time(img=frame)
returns 12:14
